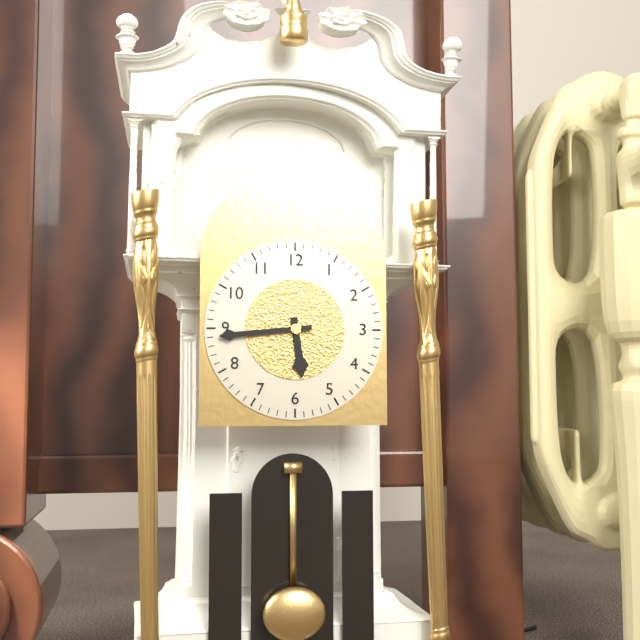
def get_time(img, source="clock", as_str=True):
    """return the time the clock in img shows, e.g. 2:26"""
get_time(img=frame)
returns 5:44
